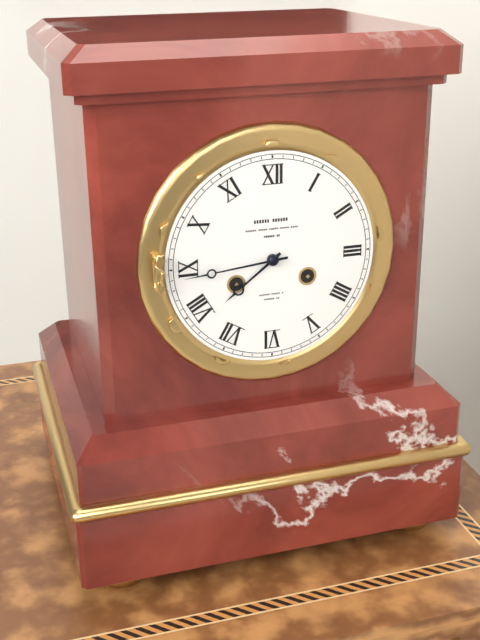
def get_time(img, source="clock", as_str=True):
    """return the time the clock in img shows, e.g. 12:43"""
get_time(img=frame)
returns 7:44
